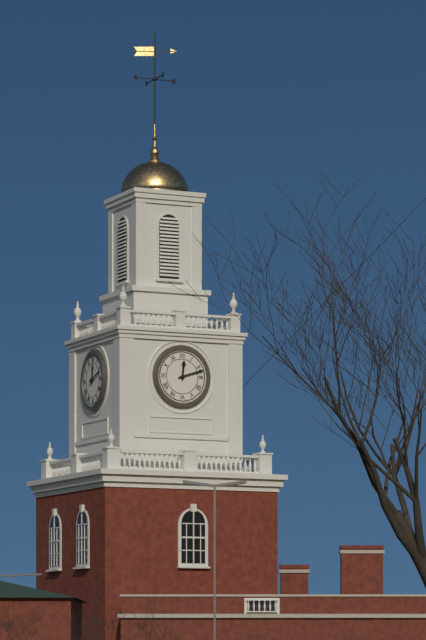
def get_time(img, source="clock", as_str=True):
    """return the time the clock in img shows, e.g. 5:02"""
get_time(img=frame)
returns 12:12
